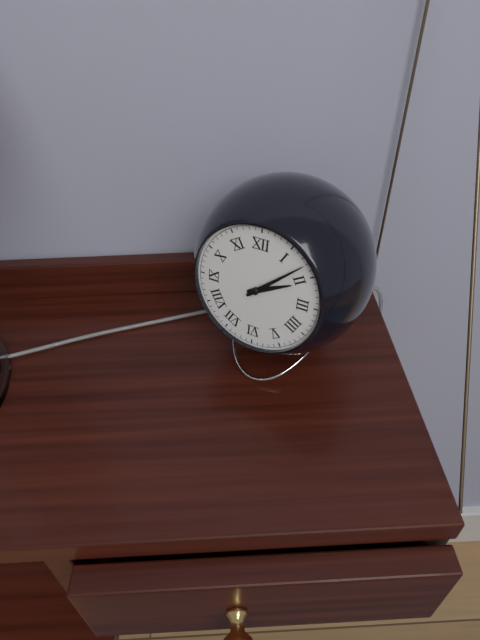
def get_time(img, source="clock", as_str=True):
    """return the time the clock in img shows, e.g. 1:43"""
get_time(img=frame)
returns 2:08
